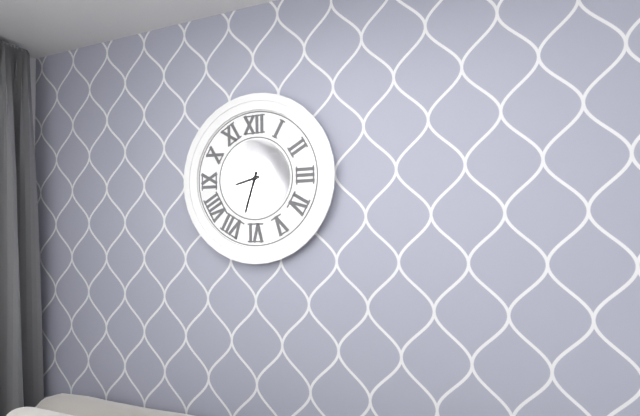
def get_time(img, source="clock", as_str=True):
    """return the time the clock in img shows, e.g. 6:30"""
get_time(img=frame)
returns 8:33
